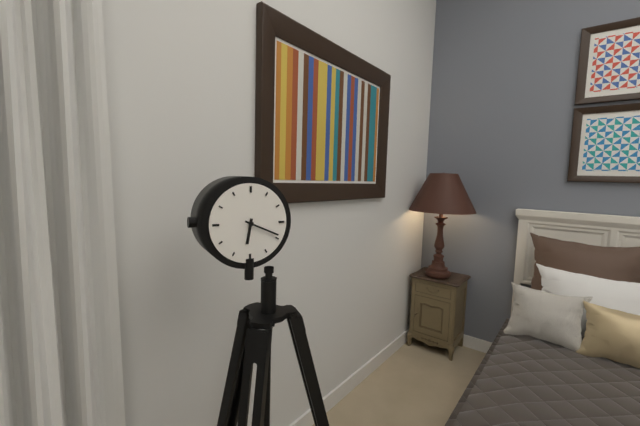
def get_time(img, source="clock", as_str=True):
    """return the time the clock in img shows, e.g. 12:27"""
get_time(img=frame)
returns 6:19
